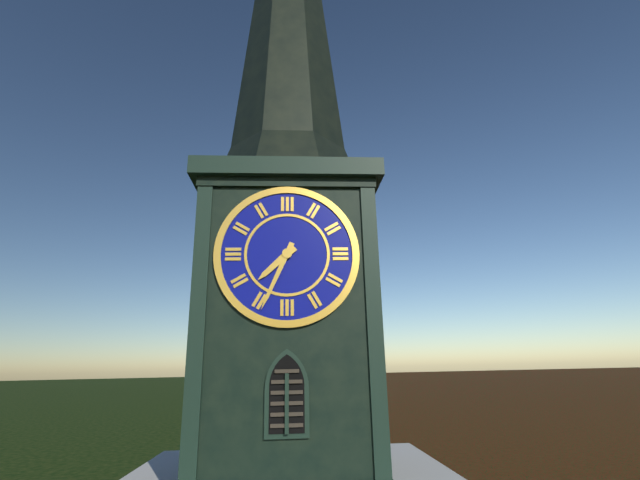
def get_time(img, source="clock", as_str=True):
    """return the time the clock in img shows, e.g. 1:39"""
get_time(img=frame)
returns 7:34
